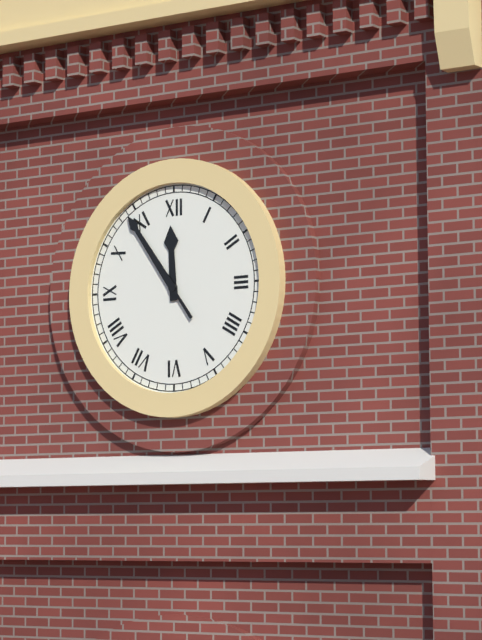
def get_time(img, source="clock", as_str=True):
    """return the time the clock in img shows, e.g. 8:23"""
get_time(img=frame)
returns 11:54
